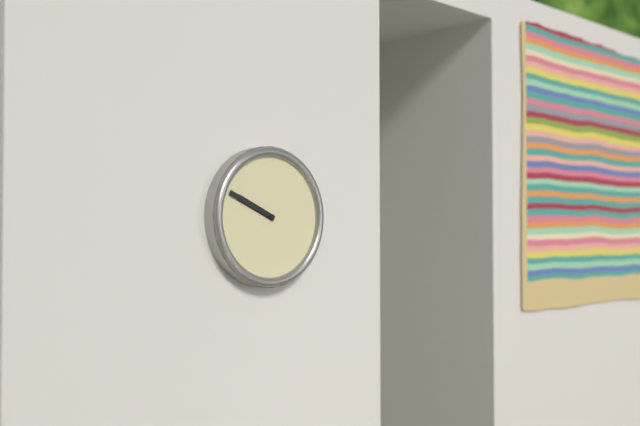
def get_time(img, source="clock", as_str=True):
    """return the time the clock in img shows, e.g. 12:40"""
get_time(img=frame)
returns 9:49
